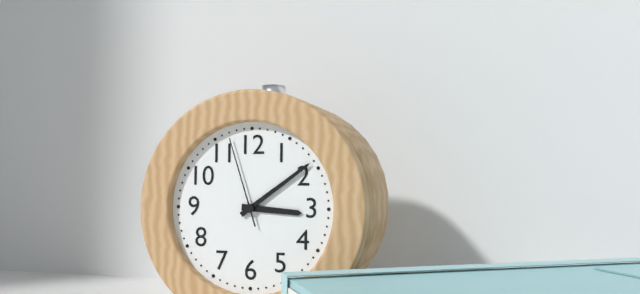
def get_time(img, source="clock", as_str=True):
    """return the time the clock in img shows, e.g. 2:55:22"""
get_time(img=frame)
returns 3:09:57
